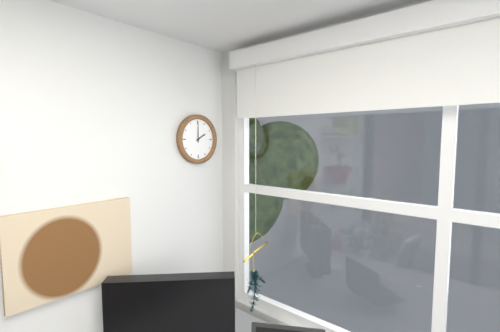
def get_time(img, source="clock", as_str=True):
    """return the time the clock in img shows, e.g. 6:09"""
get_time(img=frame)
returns 2:00
